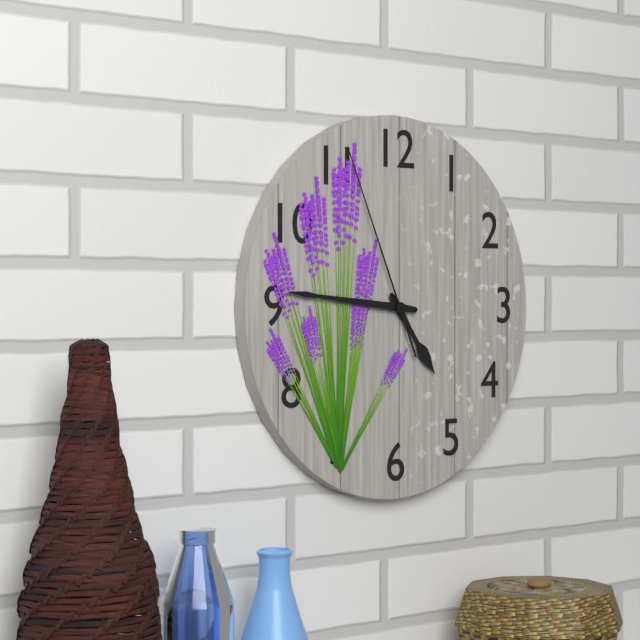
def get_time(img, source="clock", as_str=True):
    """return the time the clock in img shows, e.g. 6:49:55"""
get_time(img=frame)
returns 4:46:56
